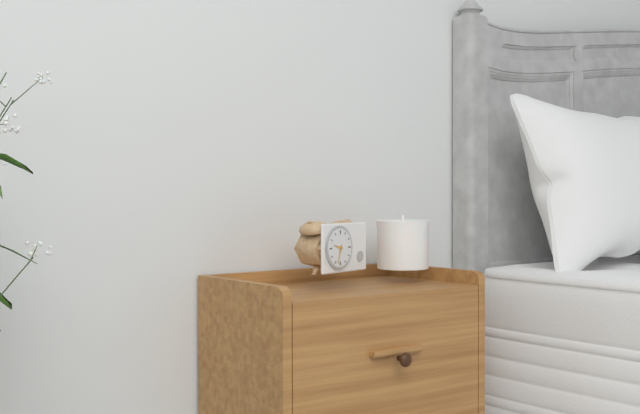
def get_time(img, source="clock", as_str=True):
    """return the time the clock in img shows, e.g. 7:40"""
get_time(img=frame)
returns 9:33
